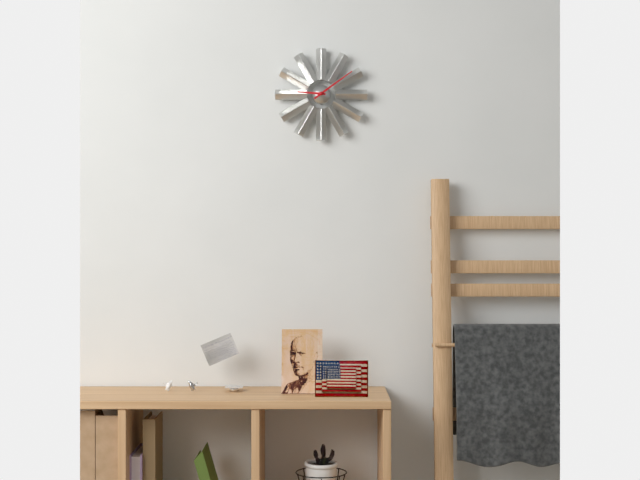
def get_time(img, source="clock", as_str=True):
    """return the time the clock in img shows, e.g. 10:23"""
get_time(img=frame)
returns 9:09
